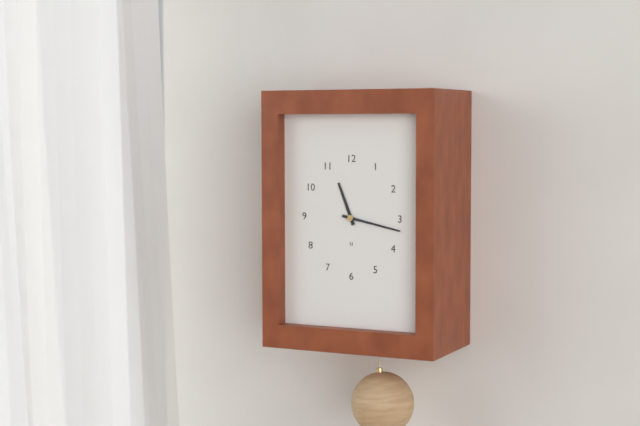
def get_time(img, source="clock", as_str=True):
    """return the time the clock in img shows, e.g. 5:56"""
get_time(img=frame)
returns 11:17
